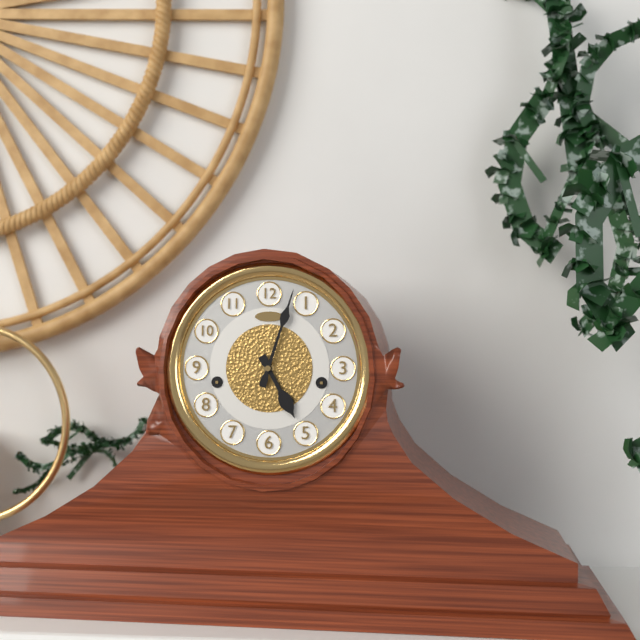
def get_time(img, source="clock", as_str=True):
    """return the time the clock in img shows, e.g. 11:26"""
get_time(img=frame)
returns 5:03
